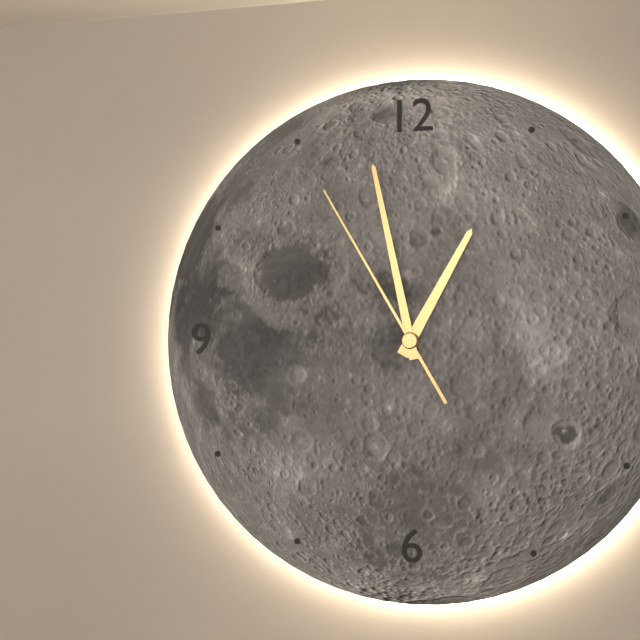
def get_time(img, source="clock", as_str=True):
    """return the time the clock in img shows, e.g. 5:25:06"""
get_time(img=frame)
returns 12:58:55
